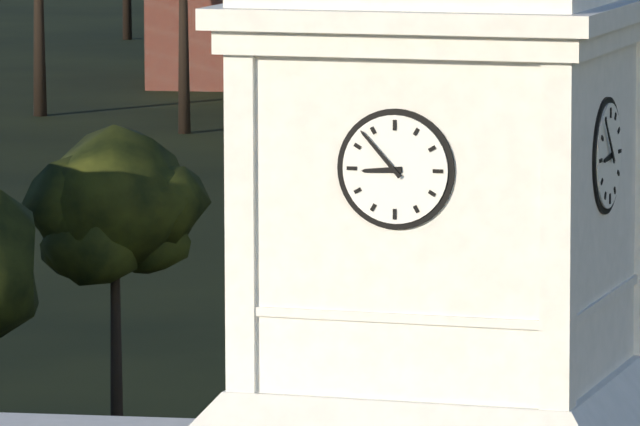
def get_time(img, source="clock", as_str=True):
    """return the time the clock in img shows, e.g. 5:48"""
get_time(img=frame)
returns 8:53
